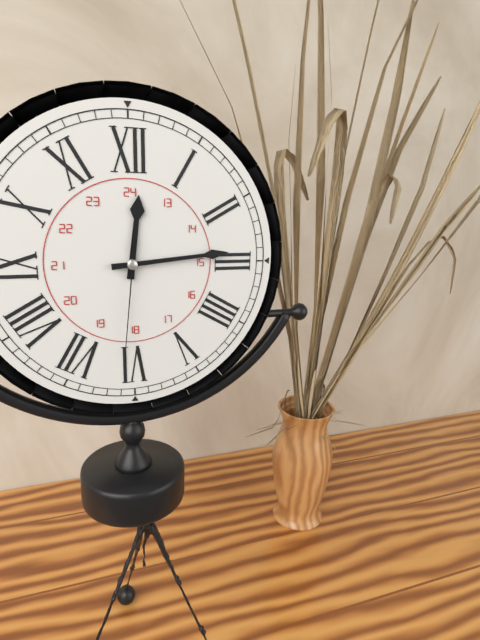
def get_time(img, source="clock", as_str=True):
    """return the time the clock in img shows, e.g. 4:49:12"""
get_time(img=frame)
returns 12:14:31
